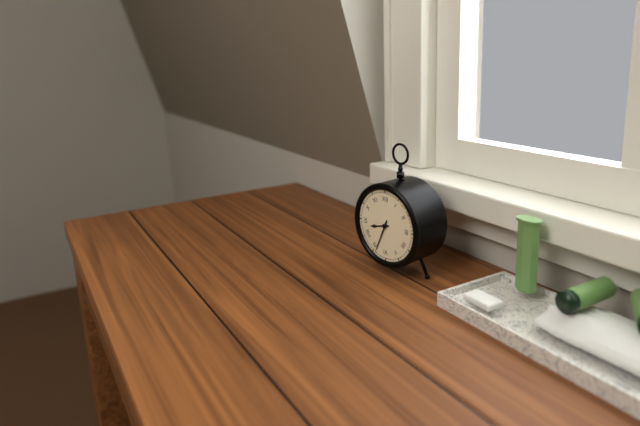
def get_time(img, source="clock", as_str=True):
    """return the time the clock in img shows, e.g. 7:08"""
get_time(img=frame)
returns 8:34
